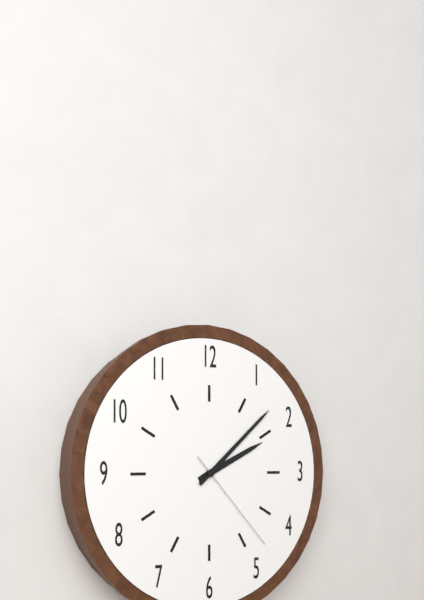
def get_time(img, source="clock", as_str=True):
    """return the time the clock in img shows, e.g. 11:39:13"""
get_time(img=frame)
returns 2:08:23
